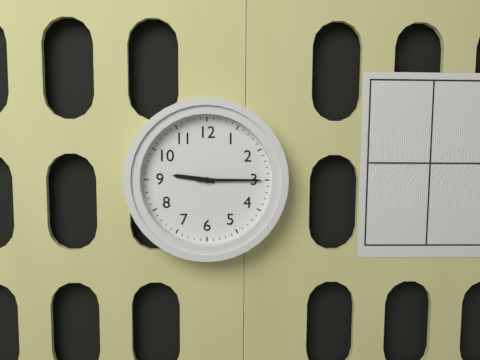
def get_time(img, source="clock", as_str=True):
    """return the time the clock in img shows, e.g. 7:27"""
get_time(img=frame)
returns 9:15
